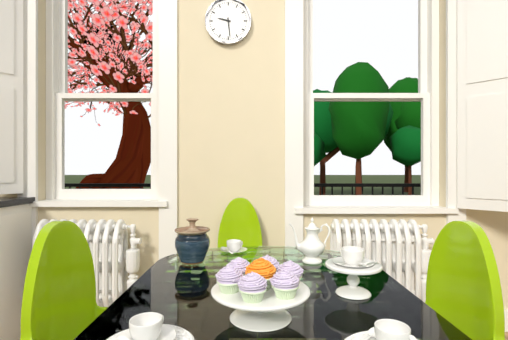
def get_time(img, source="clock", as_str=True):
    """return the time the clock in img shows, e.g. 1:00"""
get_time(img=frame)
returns 9:29
